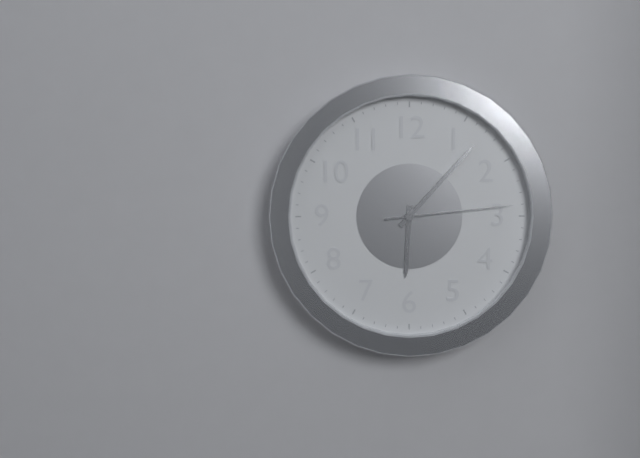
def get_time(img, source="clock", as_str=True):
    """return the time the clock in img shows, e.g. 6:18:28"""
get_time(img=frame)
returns 6:07:14
